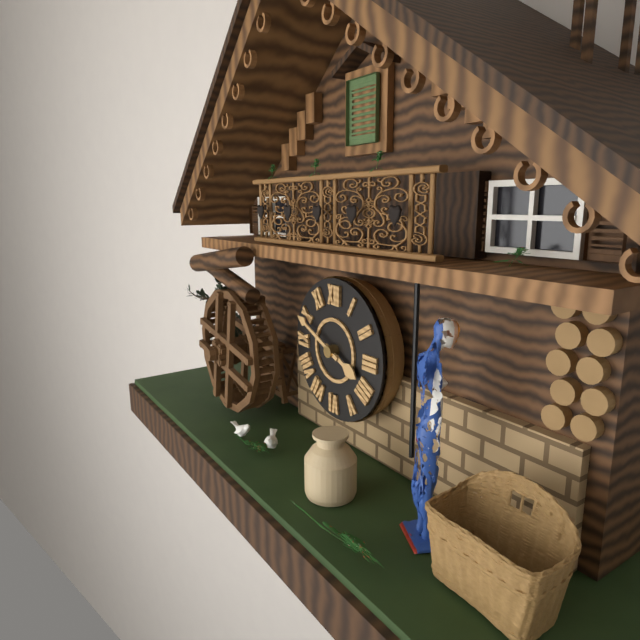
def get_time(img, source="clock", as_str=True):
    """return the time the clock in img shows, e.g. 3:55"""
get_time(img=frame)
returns 3:49
